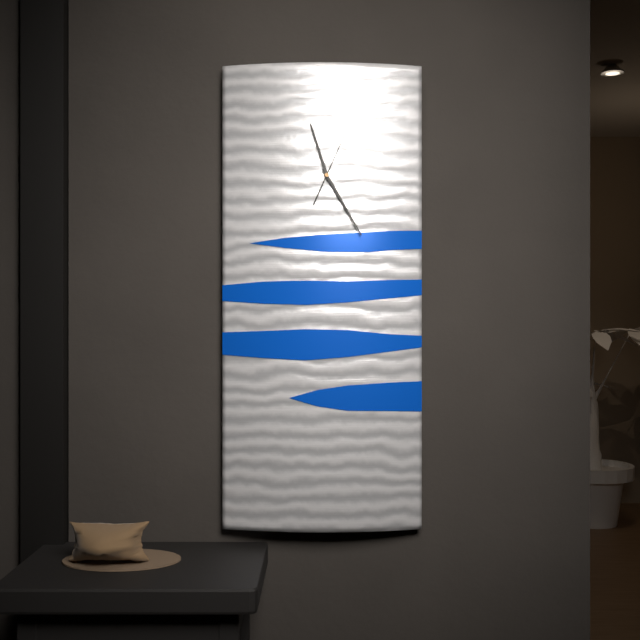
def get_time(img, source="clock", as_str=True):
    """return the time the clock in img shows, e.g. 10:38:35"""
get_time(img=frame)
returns 11:25:04
